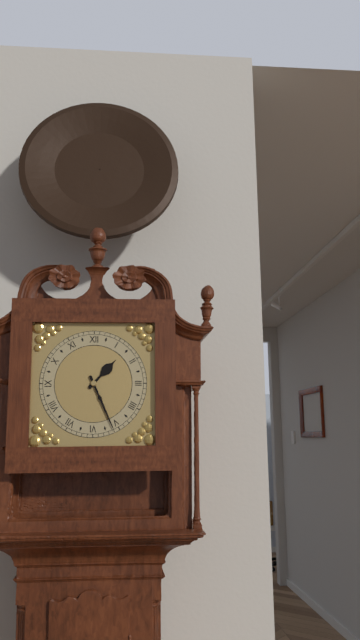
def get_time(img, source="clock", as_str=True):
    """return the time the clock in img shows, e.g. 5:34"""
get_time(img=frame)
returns 1:26
